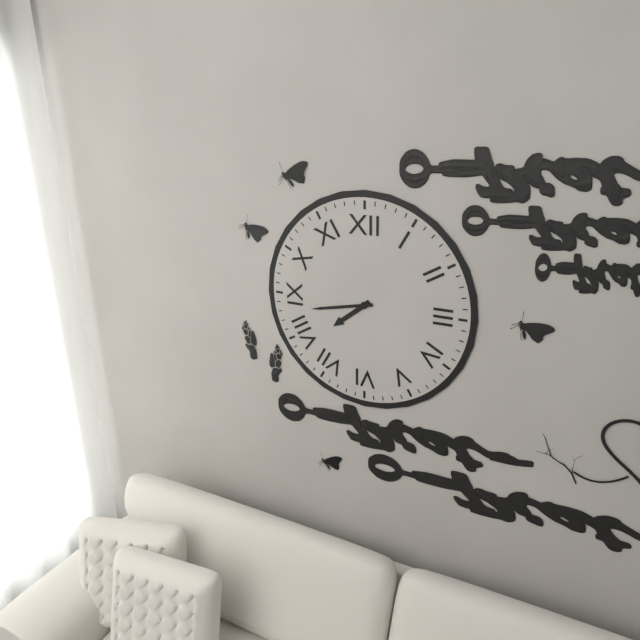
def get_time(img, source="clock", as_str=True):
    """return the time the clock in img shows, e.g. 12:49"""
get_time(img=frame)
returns 7:43
